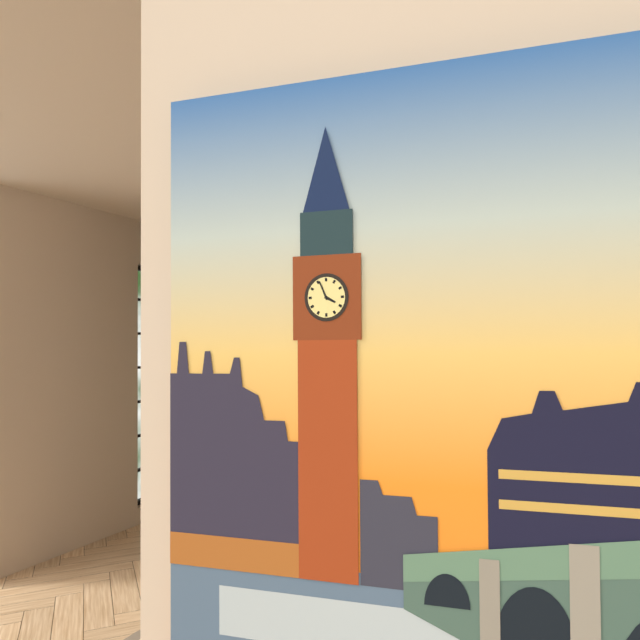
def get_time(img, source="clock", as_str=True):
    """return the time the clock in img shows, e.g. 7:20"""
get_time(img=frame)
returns 3:56
